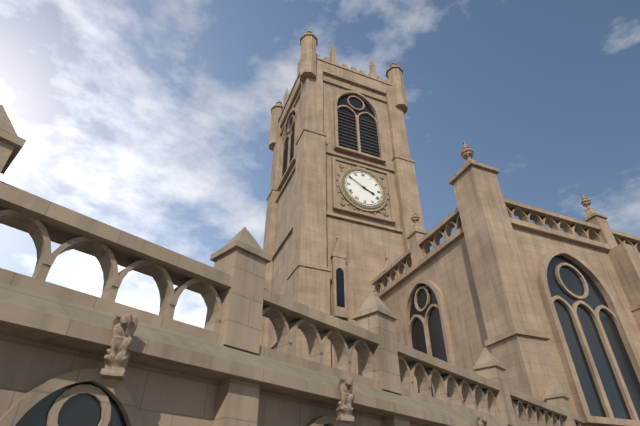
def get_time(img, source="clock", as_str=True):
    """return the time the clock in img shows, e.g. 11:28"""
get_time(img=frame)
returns 3:50
